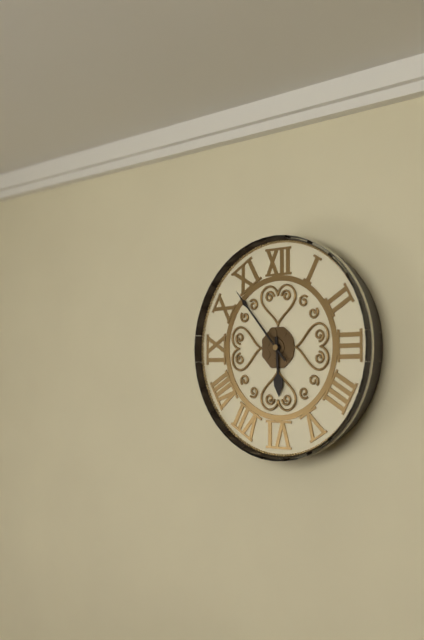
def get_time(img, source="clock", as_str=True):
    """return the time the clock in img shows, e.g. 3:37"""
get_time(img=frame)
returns 5:53
